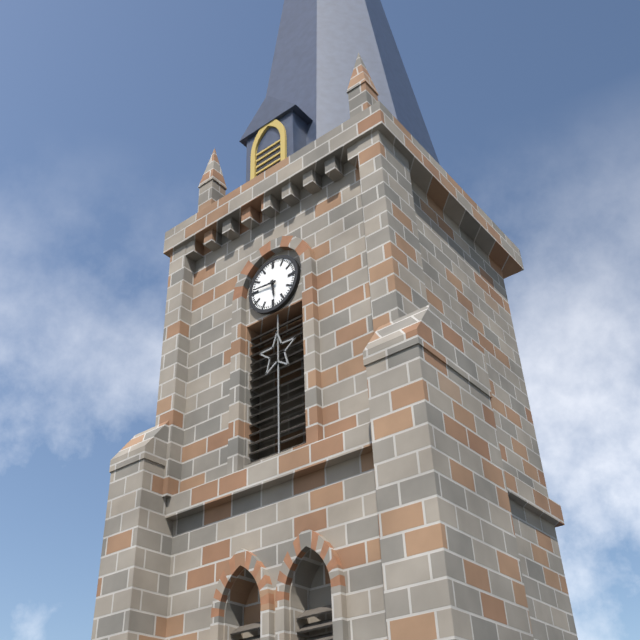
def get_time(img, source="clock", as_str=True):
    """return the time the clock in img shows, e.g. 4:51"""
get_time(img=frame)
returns 5:46
